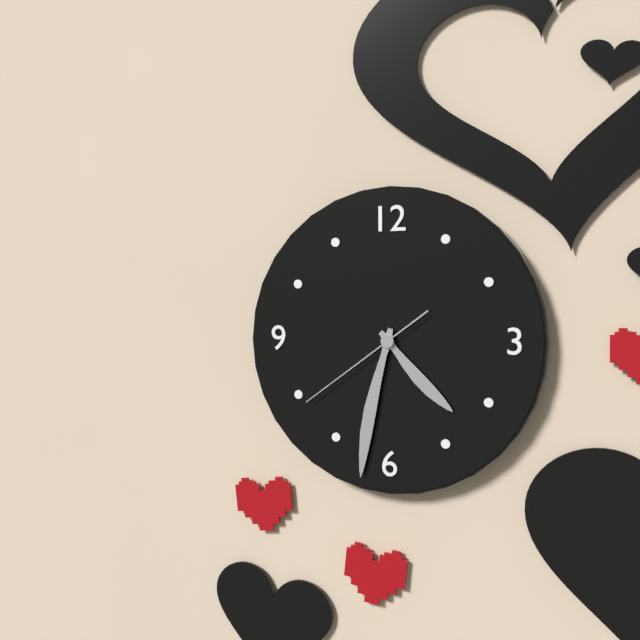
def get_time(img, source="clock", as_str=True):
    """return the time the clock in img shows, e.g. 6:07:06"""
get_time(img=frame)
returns 4:32:39
